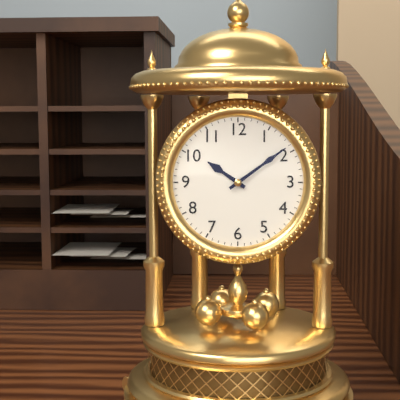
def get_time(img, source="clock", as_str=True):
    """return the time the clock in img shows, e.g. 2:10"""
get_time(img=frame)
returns 10:09
